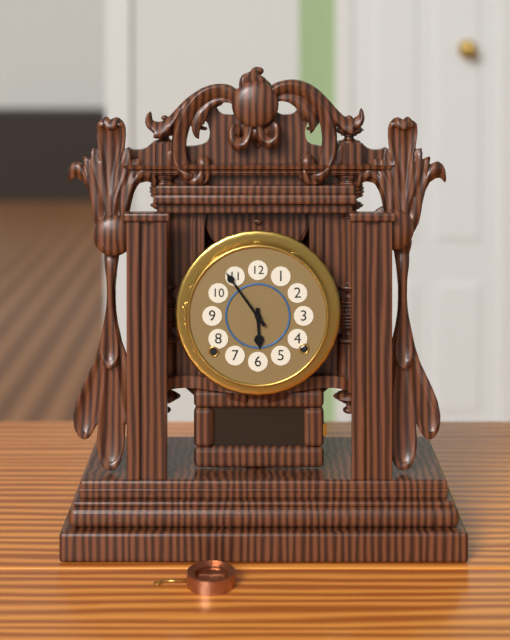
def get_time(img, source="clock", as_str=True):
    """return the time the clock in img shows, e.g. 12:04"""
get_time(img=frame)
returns 5:54
